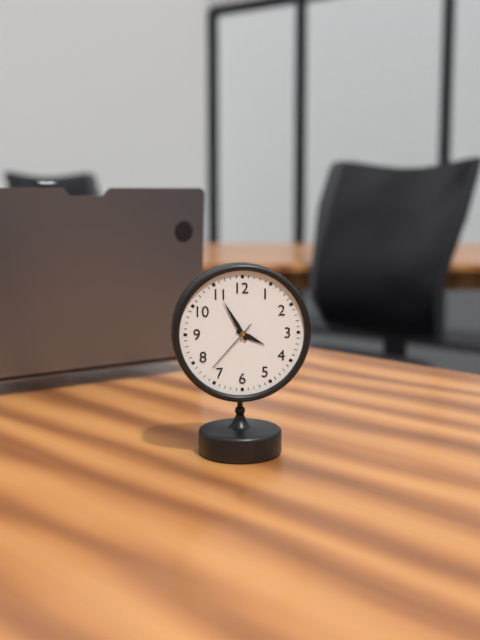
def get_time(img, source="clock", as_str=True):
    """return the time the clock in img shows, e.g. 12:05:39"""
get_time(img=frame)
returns 3:55:37
